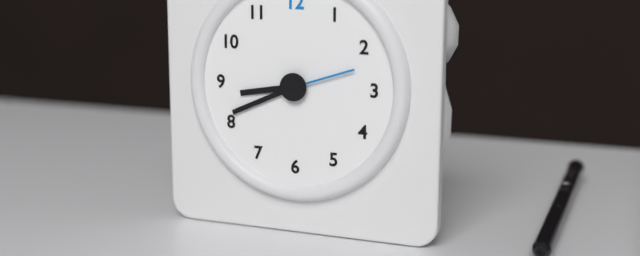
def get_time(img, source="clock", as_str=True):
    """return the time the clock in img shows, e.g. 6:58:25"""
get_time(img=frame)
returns 8:41:12
